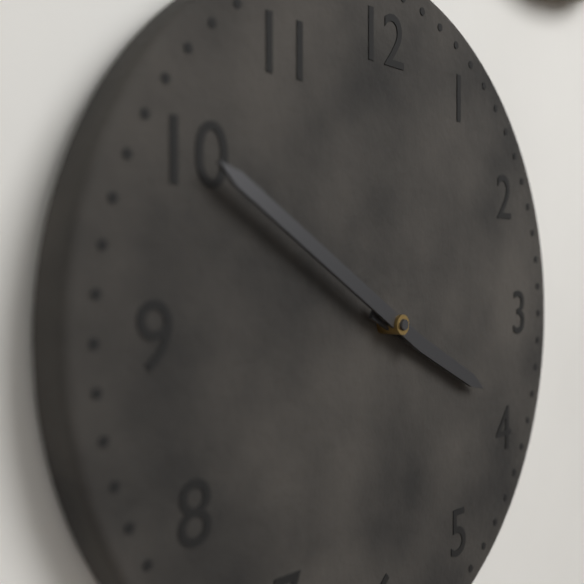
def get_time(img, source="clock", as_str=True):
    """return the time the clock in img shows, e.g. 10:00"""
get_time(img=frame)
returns 3:50
